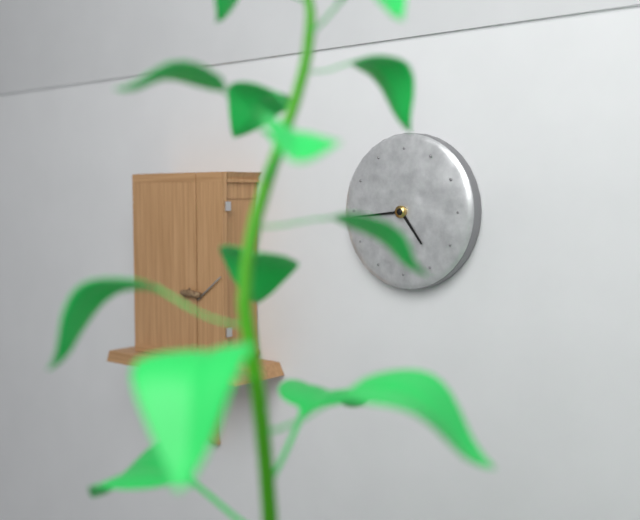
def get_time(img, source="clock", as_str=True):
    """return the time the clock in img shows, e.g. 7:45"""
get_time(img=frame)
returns 4:44
